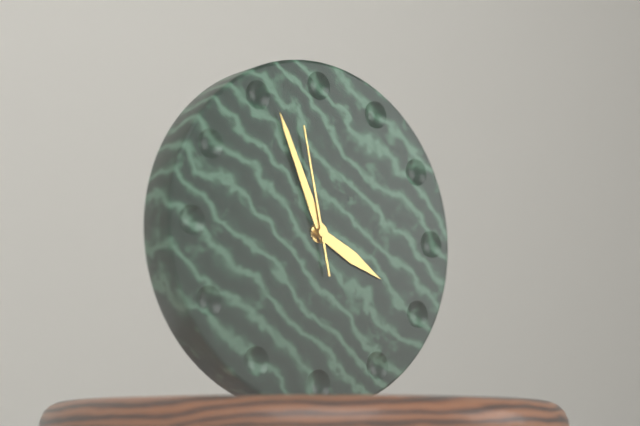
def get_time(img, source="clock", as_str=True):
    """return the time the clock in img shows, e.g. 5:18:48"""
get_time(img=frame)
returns 3:56:58
